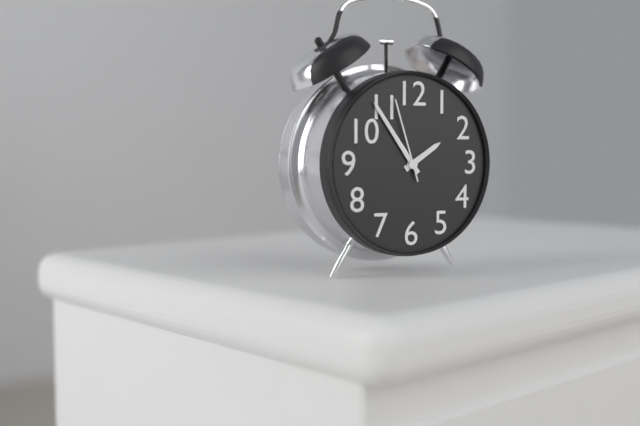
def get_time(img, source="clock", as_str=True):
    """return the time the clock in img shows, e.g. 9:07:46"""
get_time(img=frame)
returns 1:54:57
